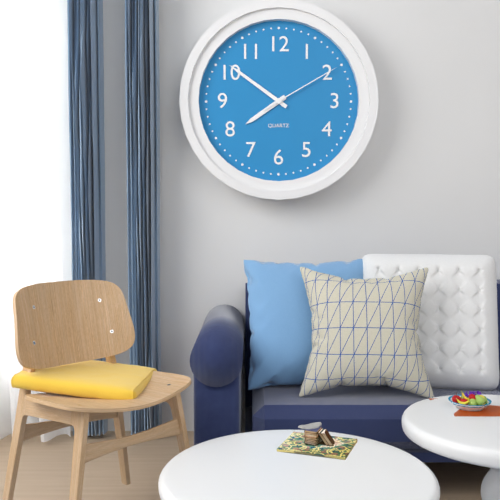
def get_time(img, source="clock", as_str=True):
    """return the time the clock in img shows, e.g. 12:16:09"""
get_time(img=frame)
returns 7:51:10
